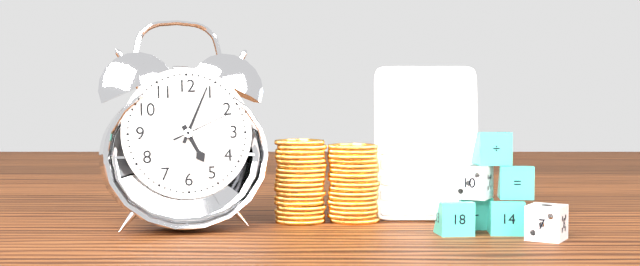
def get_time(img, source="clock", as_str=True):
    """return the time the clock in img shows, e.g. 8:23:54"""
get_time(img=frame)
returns 5:04:11
